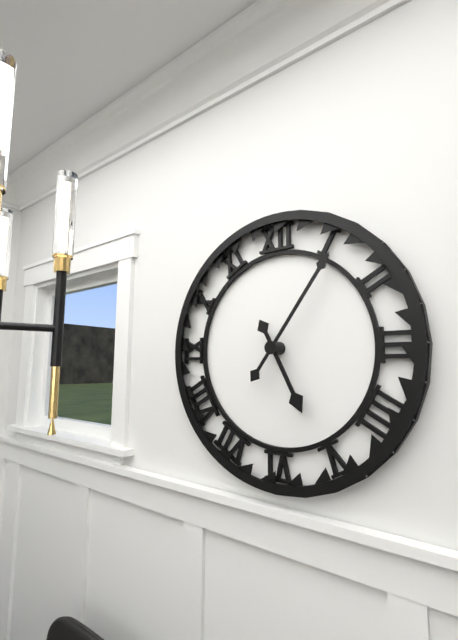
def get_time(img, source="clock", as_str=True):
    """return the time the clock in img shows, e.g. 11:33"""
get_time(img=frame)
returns 5:06
